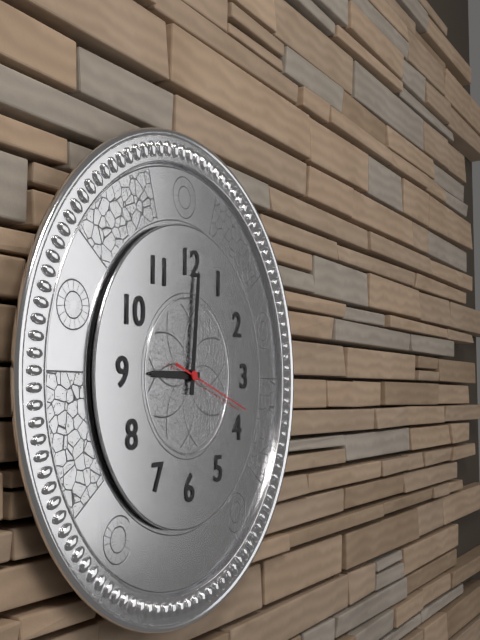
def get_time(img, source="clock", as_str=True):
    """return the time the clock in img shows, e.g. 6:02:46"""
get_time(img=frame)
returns 9:01:18
